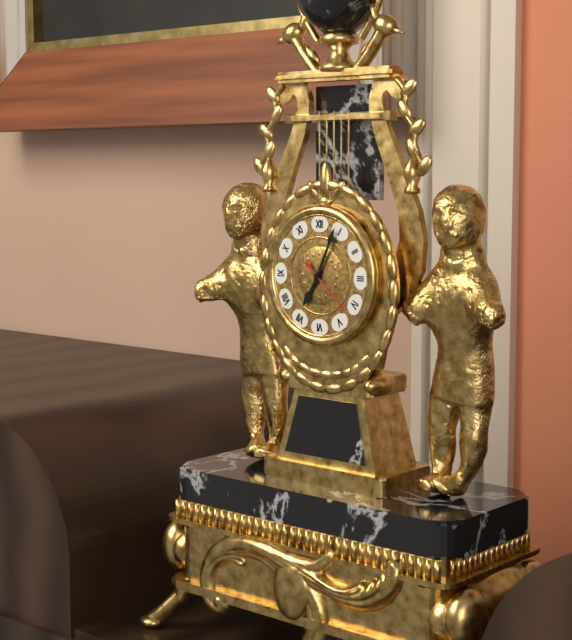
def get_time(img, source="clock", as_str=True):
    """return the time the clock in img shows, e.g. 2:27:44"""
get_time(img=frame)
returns 7:04:22
